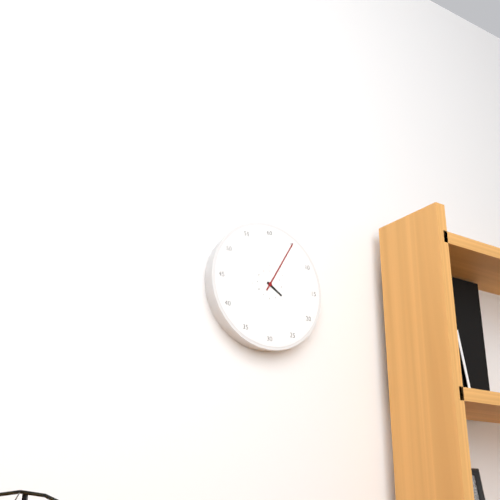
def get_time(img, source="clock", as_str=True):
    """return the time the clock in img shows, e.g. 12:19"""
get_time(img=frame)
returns 4:05
